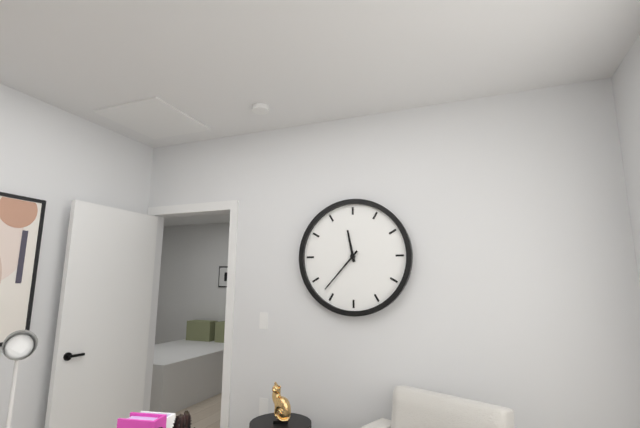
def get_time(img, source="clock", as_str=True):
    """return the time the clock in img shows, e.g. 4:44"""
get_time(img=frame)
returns 11:37
